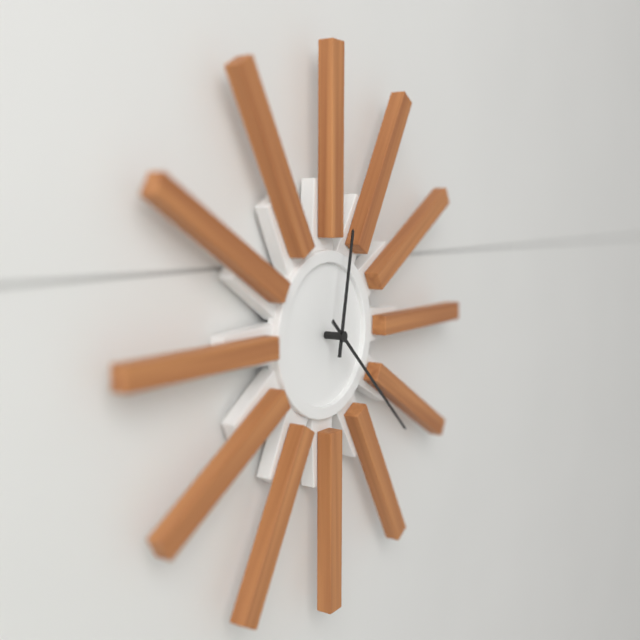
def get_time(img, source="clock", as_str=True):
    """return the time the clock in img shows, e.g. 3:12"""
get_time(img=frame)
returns 12:22
